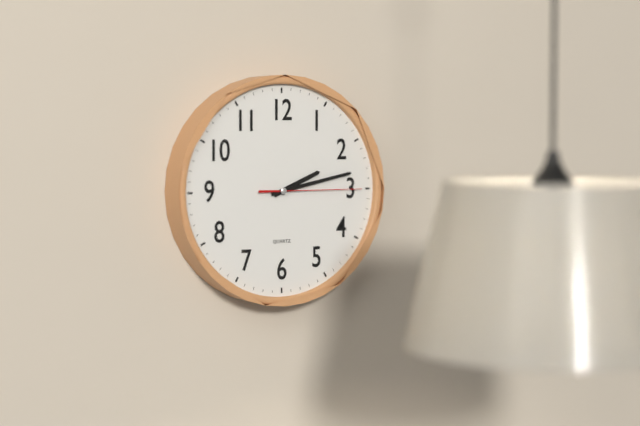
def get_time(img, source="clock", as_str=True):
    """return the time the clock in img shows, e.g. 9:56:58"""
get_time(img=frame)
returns 2:13:15
